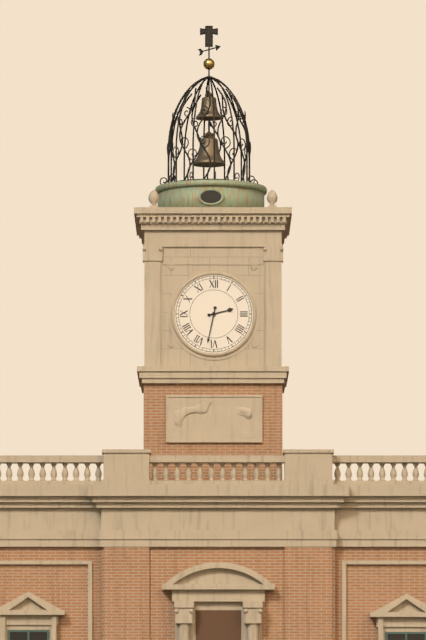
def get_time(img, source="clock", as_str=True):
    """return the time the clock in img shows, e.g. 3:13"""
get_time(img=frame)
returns 2:32
